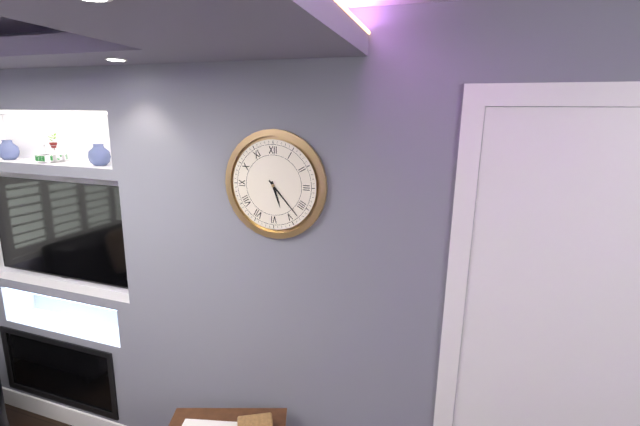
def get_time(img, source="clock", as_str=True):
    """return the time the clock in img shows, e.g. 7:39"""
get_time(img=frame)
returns 5:23
